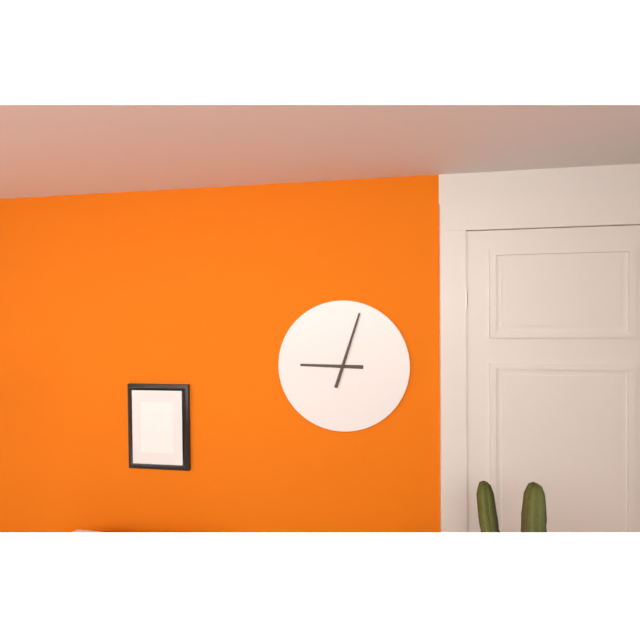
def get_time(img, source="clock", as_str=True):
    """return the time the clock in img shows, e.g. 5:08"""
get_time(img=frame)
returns 9:03
